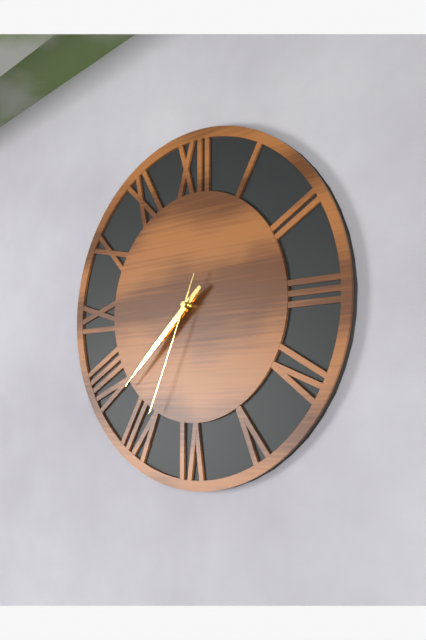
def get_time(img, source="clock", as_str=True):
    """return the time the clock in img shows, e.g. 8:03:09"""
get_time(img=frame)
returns 7:38:34
